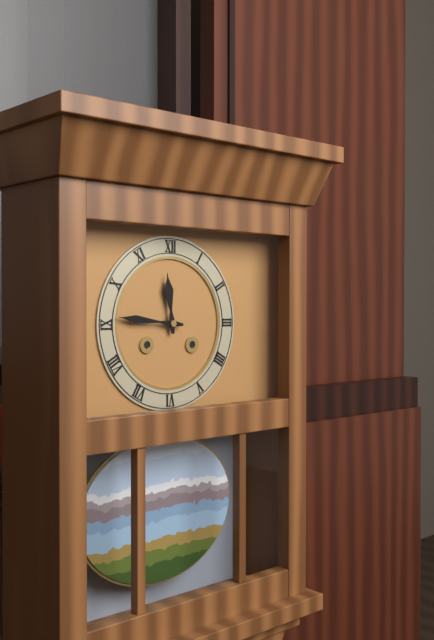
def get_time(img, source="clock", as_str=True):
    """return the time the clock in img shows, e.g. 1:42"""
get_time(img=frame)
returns 11:46
